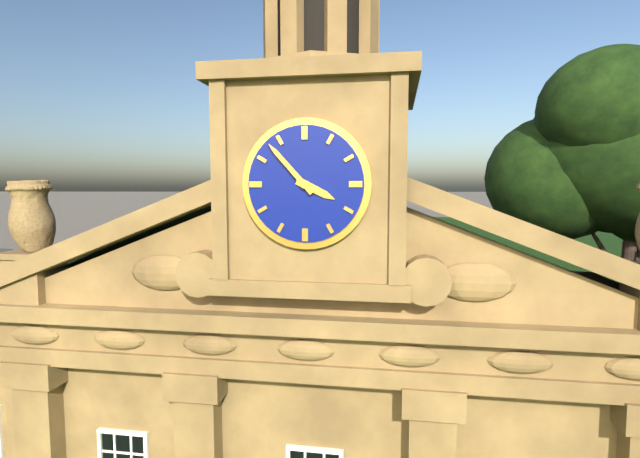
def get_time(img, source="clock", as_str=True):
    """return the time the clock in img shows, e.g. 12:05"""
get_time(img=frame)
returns 3:53
